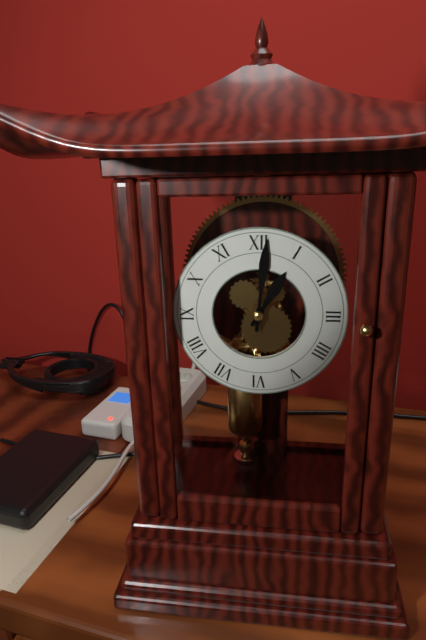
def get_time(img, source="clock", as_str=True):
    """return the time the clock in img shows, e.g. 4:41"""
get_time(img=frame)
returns 1:01
